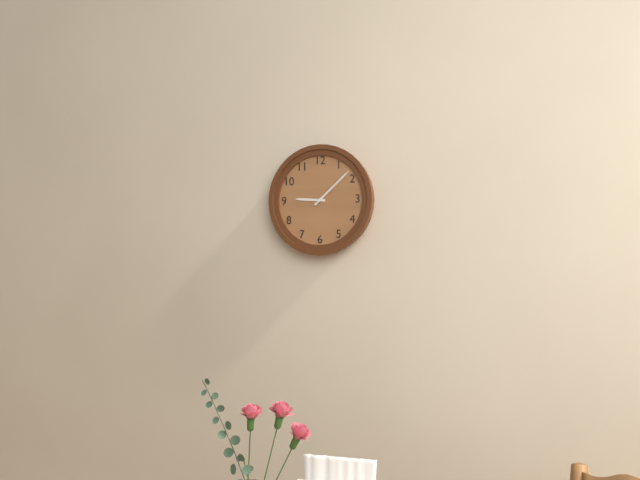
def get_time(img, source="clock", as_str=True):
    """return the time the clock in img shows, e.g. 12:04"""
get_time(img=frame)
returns 9:08
